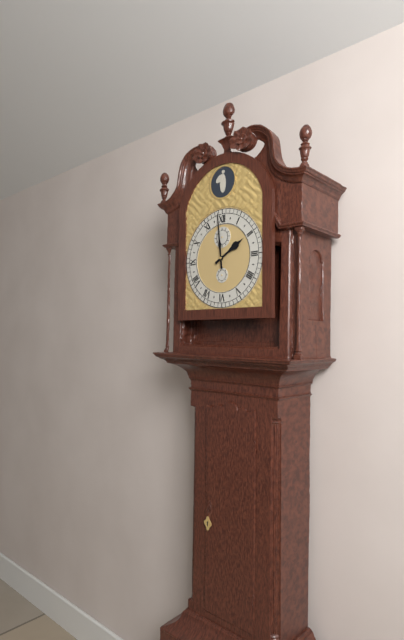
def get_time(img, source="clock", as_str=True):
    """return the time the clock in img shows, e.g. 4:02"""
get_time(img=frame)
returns 1:59
